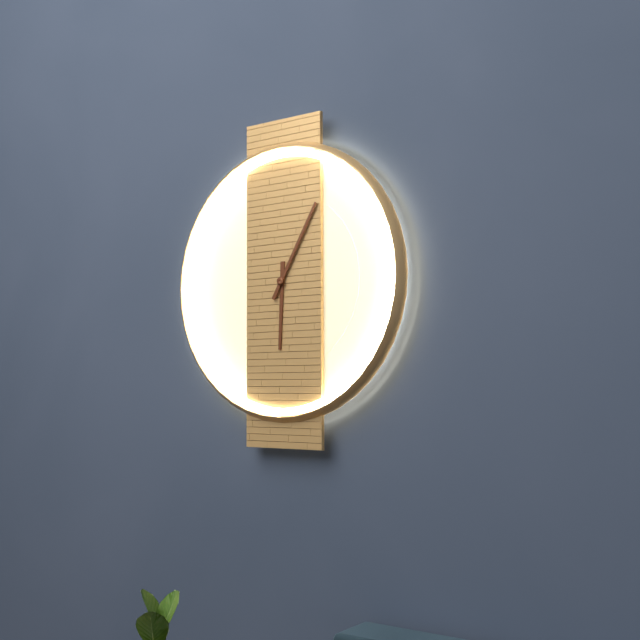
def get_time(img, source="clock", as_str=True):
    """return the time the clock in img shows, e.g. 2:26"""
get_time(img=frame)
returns 6:05
